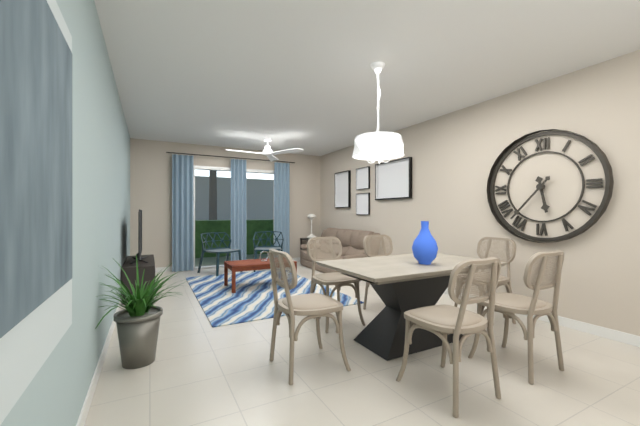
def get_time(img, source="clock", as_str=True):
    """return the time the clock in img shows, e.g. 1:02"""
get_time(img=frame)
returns 5:37
